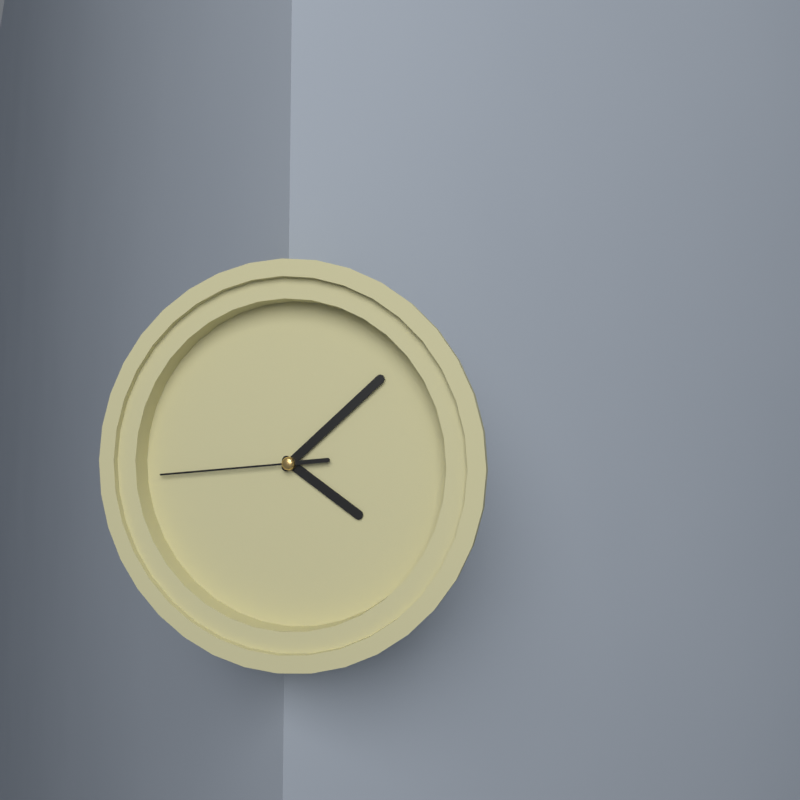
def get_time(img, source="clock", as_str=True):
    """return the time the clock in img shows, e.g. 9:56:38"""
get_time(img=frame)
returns 4:08:44
